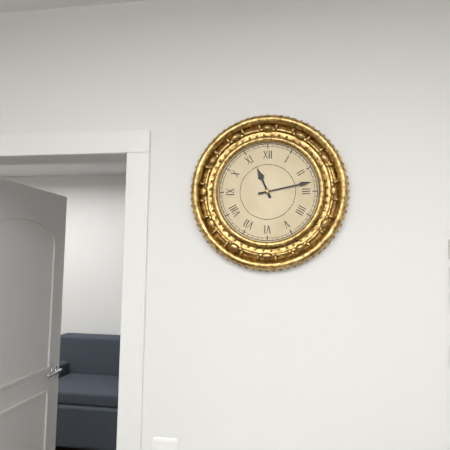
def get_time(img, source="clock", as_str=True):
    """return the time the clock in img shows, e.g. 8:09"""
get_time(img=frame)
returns 11:13
